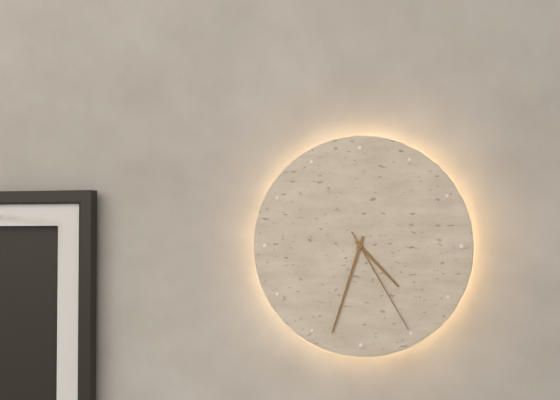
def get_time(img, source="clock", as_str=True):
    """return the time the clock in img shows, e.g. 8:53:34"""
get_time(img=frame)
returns 4:33:25
